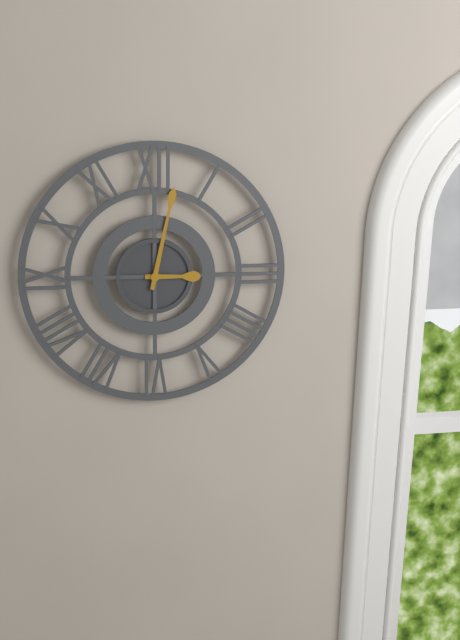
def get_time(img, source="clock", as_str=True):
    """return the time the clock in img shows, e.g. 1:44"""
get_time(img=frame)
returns 3:02
